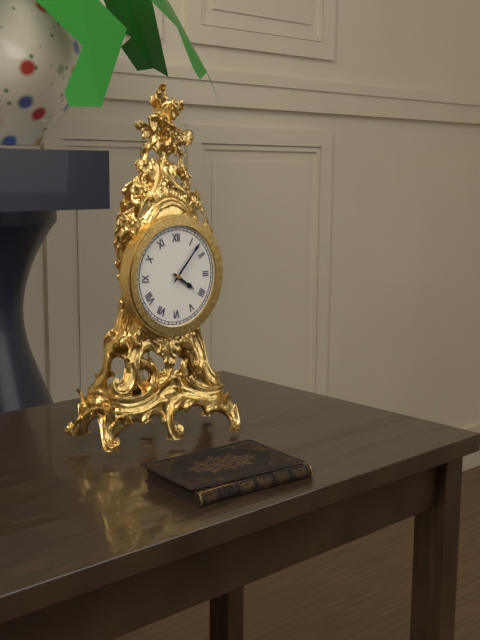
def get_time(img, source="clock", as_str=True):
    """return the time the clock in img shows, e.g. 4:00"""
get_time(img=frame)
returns 4:07
